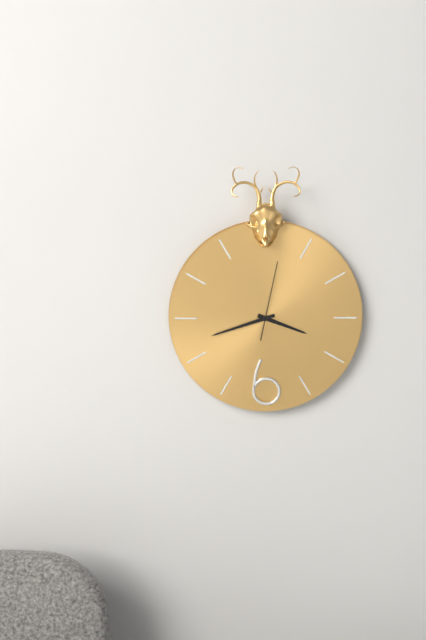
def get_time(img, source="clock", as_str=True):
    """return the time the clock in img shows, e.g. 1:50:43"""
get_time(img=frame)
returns 3:42:02
